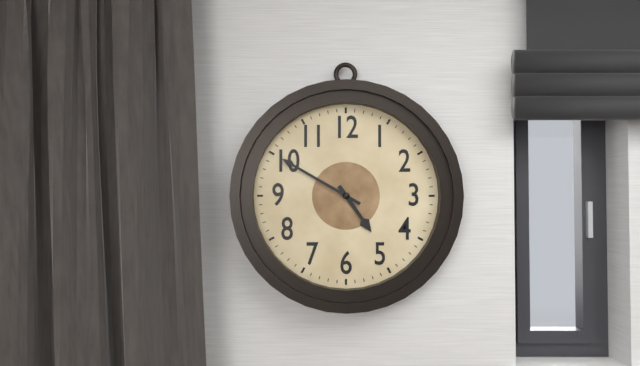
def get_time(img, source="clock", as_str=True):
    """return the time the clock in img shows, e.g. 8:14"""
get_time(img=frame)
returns 4:50
